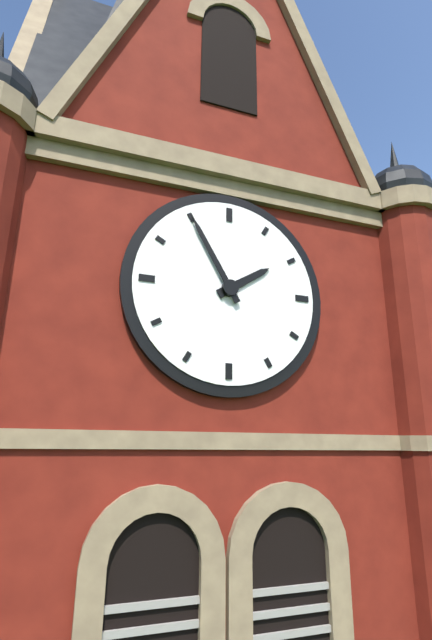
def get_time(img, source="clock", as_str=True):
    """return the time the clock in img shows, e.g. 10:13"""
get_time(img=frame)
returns 1:55
